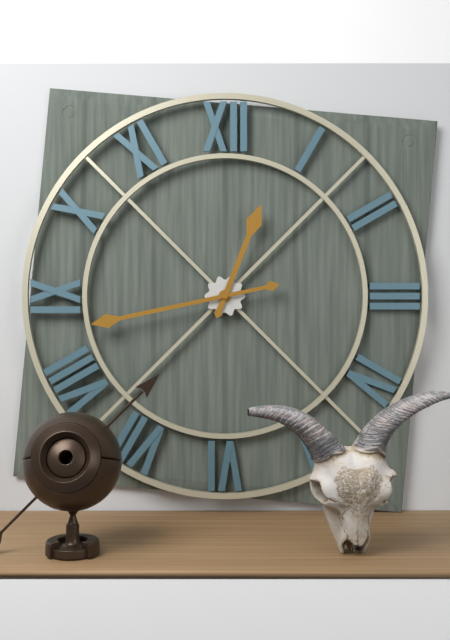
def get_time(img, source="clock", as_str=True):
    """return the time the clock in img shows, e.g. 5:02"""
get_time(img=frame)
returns 12:43
